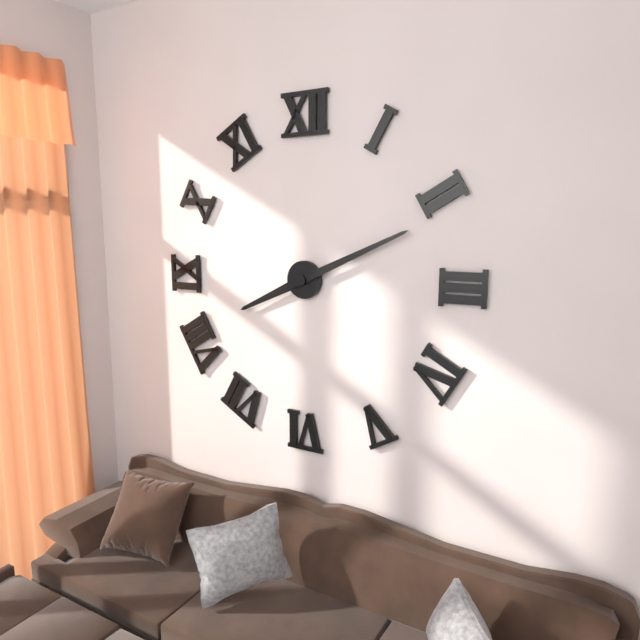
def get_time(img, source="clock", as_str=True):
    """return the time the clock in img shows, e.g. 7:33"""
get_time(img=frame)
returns 8:11
